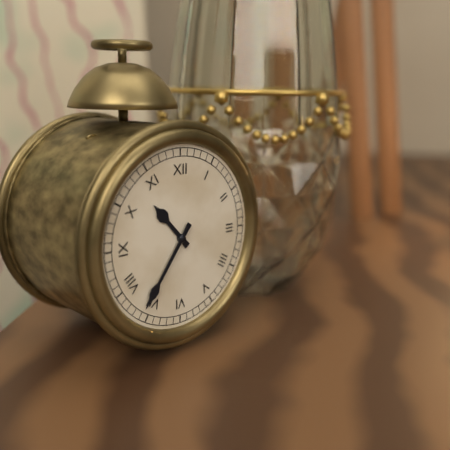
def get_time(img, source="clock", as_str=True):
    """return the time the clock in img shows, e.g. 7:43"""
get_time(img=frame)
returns 10:36
